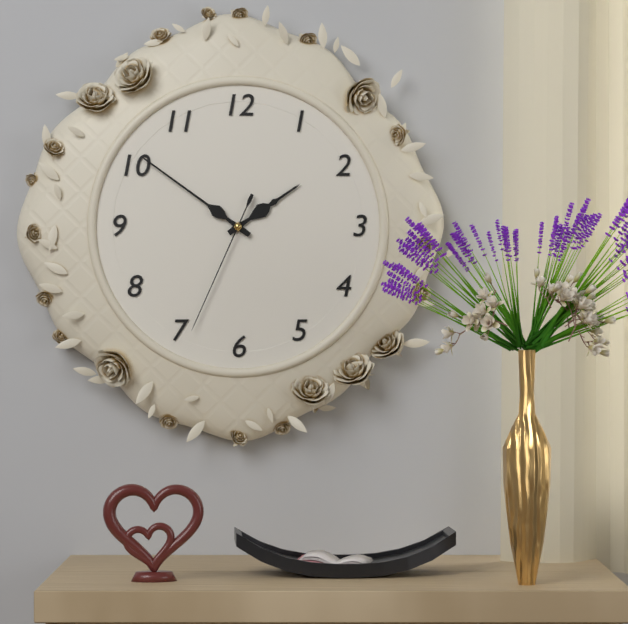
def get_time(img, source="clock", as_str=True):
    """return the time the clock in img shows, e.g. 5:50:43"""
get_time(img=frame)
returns 1:51:34
